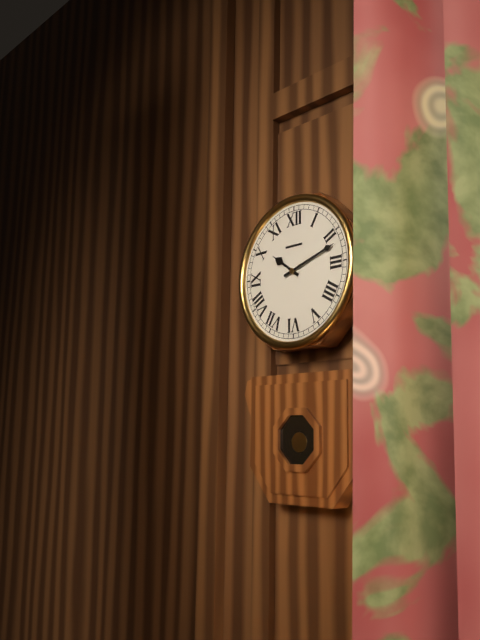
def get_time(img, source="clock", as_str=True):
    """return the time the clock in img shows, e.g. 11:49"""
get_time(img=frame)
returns 10:12
